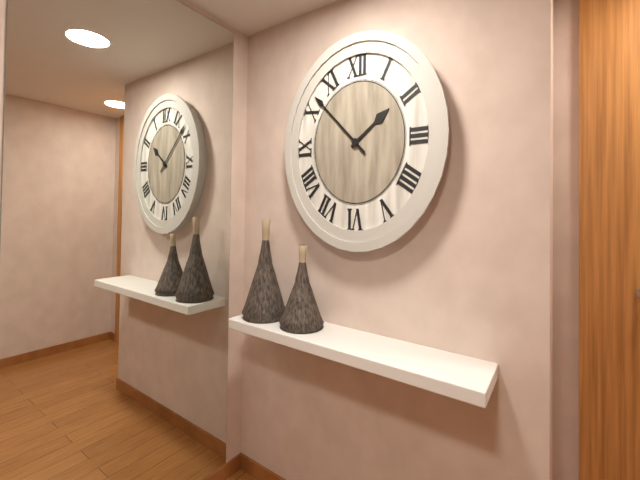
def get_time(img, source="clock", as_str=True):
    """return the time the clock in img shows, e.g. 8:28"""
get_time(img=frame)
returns 1:52
